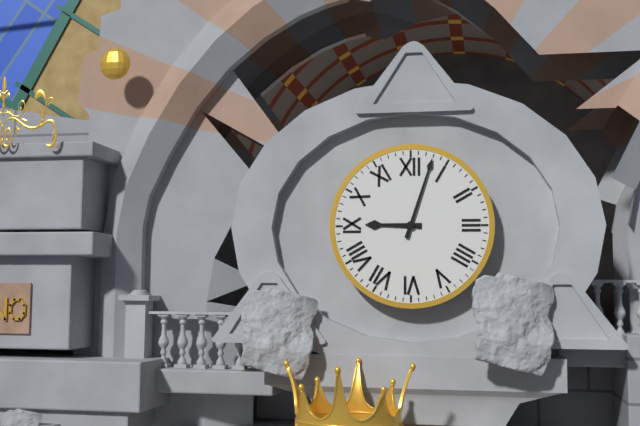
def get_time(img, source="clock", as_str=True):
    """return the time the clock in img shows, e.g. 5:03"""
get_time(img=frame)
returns 9:03
